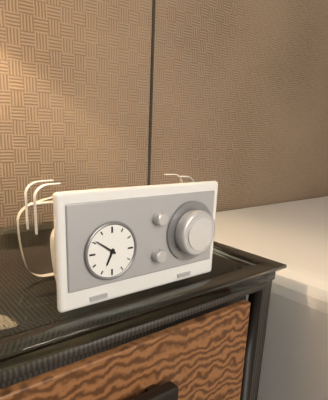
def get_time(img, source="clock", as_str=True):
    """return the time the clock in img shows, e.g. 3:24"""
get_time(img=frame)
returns 6:51
